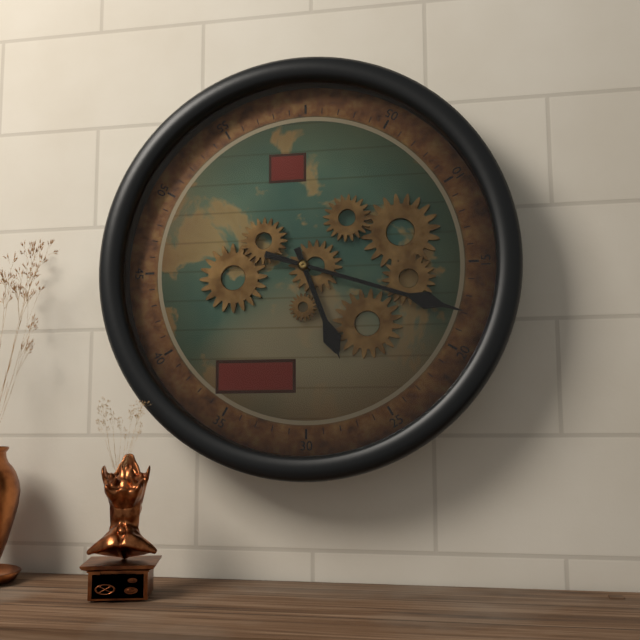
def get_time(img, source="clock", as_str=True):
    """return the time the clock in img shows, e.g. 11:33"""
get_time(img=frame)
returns 5:18
